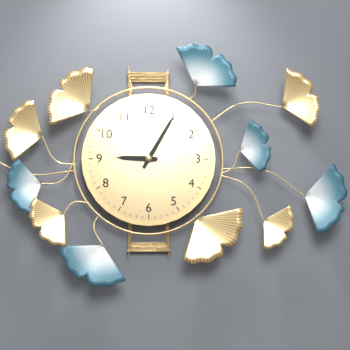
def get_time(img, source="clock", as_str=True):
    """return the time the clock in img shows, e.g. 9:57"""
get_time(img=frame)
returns 9:05
